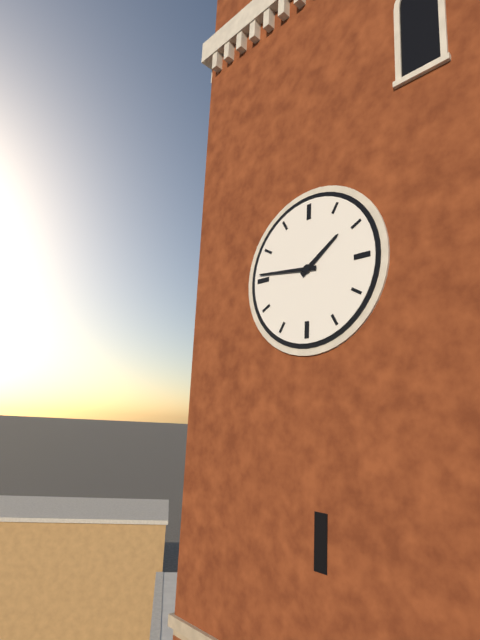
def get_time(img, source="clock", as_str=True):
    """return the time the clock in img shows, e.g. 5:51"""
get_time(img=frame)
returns 1:46
